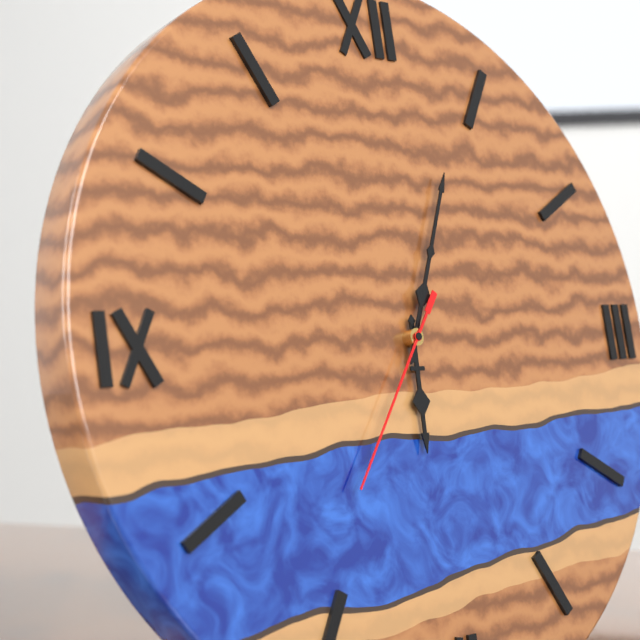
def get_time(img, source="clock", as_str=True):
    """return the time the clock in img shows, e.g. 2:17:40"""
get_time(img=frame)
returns 6:04:36
